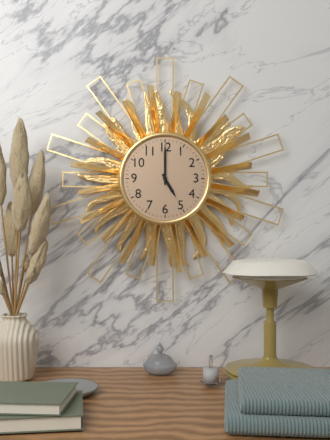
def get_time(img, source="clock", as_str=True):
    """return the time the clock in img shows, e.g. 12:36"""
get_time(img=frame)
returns 5:00
